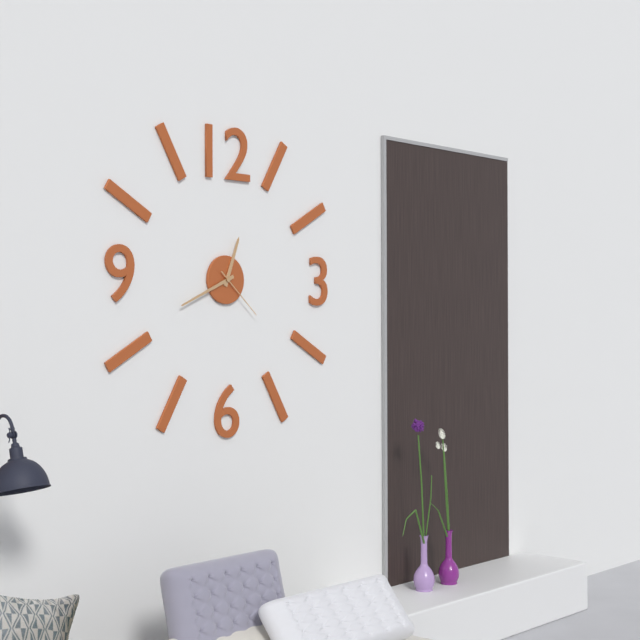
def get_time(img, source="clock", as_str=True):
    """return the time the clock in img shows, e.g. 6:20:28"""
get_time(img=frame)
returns 12:41:22
